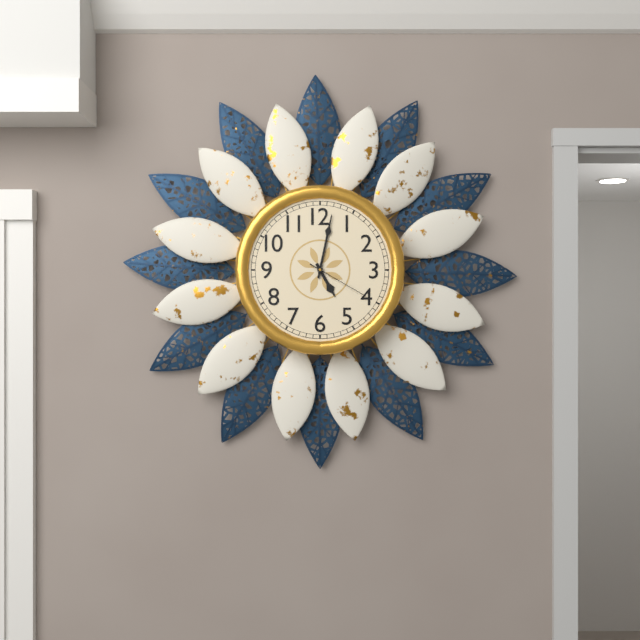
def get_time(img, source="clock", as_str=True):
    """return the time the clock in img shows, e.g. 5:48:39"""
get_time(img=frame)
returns 5:02:20
